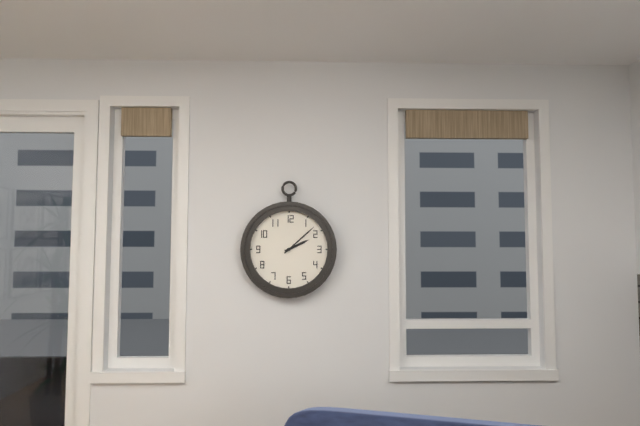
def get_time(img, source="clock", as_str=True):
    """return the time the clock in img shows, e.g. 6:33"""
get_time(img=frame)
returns 2:08
